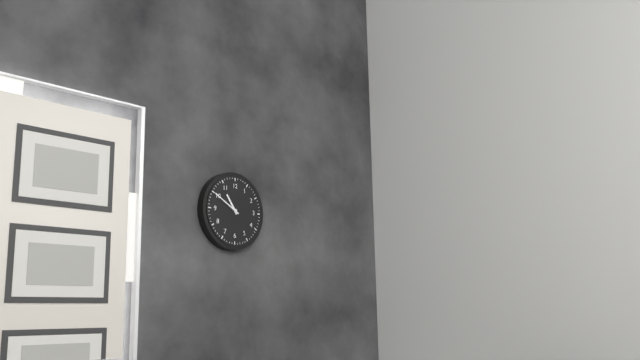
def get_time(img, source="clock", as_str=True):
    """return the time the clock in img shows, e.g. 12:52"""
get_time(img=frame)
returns 10:50
